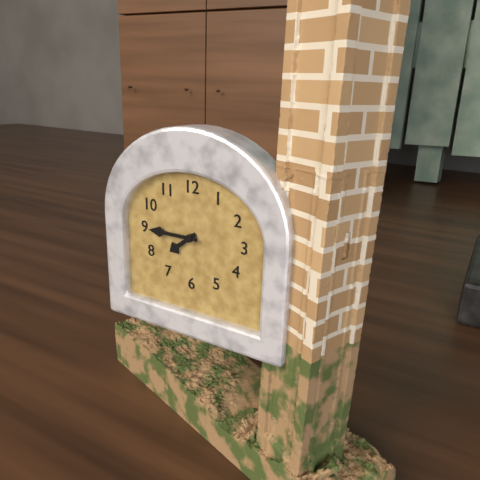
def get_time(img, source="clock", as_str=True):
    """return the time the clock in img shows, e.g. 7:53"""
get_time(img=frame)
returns 7:45
